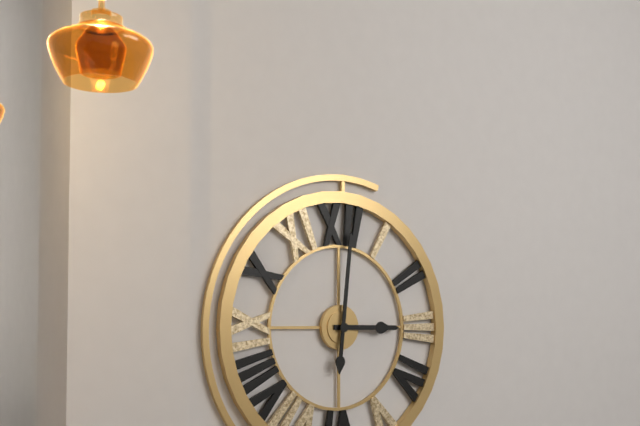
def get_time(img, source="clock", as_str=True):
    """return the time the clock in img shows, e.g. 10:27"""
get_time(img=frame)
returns 3:01
